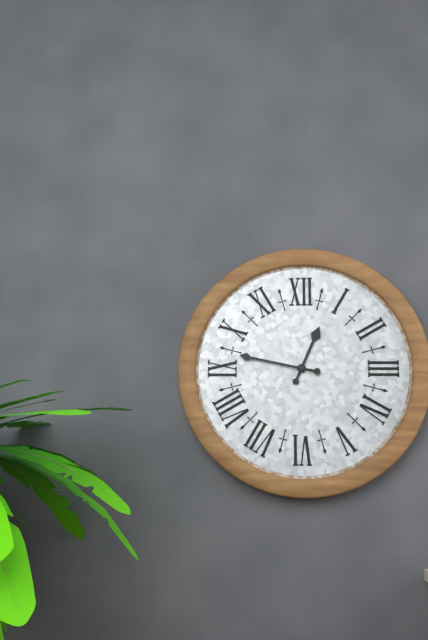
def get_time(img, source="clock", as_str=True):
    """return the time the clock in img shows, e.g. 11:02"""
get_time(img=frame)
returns 12:47
